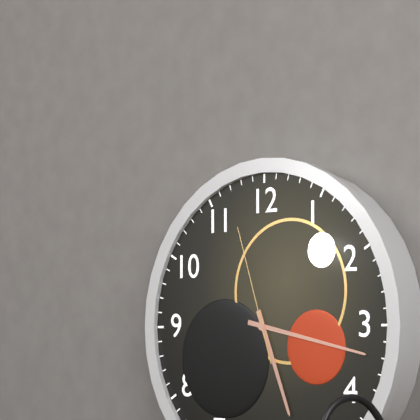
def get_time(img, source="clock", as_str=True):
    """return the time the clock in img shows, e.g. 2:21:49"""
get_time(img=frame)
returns 5:17:57
